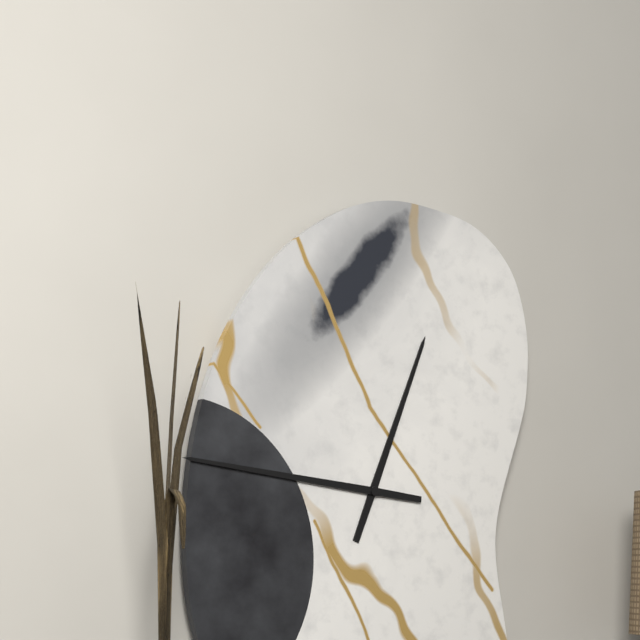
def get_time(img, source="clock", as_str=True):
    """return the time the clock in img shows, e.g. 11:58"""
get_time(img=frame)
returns 12:46
